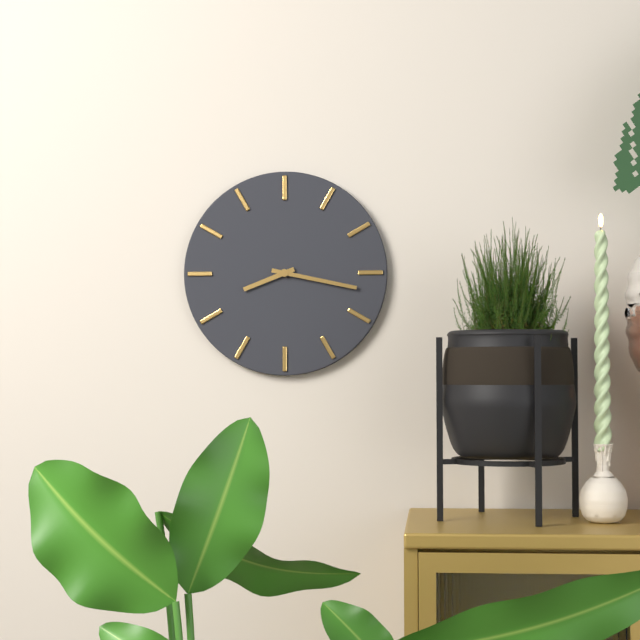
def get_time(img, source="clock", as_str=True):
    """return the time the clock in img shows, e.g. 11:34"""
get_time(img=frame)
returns 8:17
